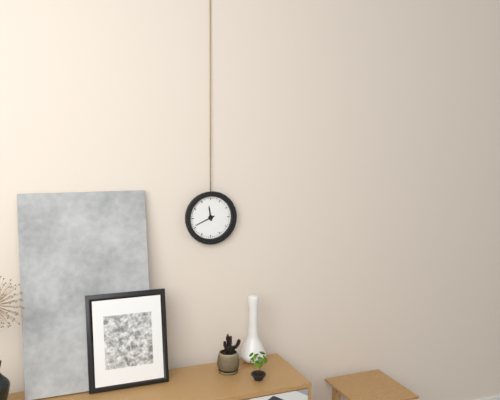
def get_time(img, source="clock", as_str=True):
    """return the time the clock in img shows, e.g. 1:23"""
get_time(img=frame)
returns 11:41
